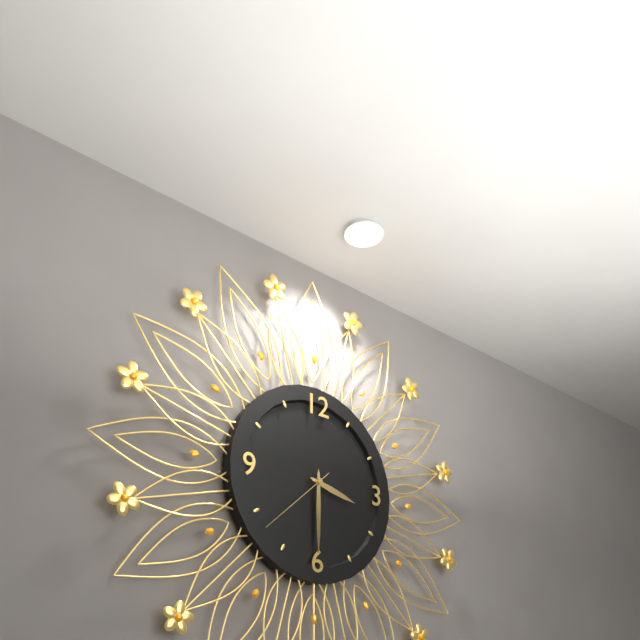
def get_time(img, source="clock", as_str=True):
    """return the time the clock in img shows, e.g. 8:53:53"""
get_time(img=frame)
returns 3:30:38
